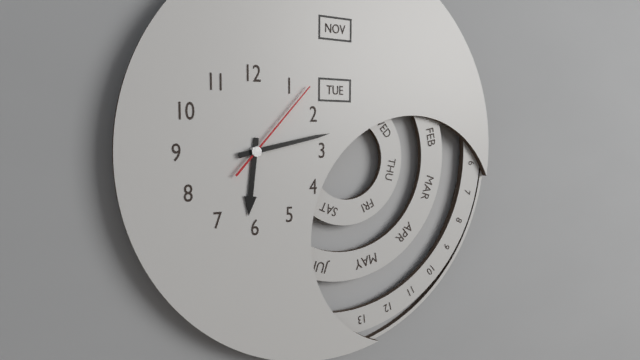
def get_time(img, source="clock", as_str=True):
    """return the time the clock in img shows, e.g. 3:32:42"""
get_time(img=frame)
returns 6:13:07
